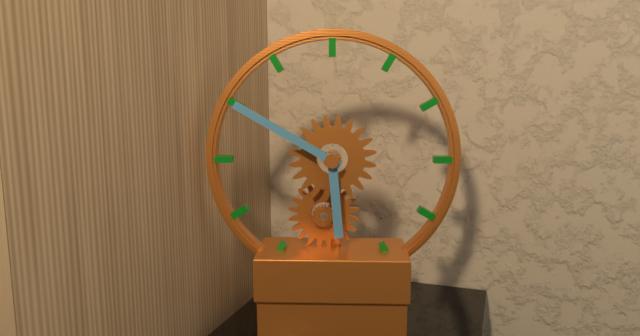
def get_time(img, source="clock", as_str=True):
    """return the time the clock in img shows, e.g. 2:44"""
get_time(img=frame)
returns 5:50
